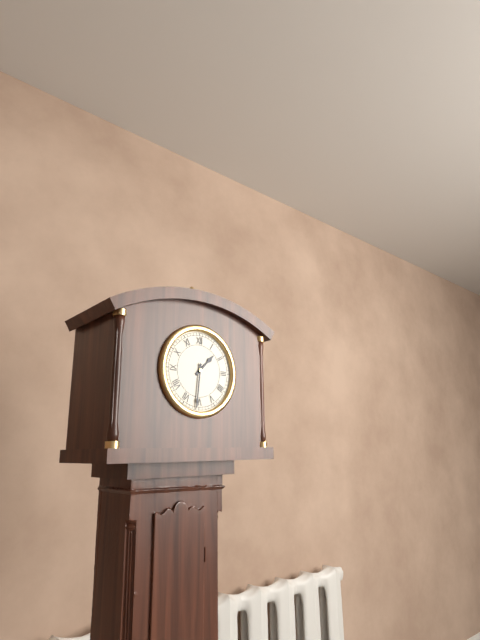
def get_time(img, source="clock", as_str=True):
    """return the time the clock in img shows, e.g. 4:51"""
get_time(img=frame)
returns 1:31
